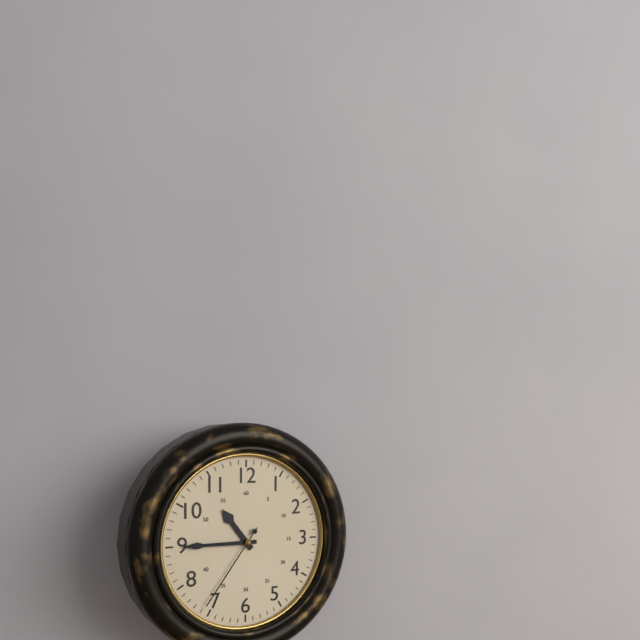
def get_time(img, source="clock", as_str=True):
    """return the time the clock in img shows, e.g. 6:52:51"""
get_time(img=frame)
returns 10:45:36
